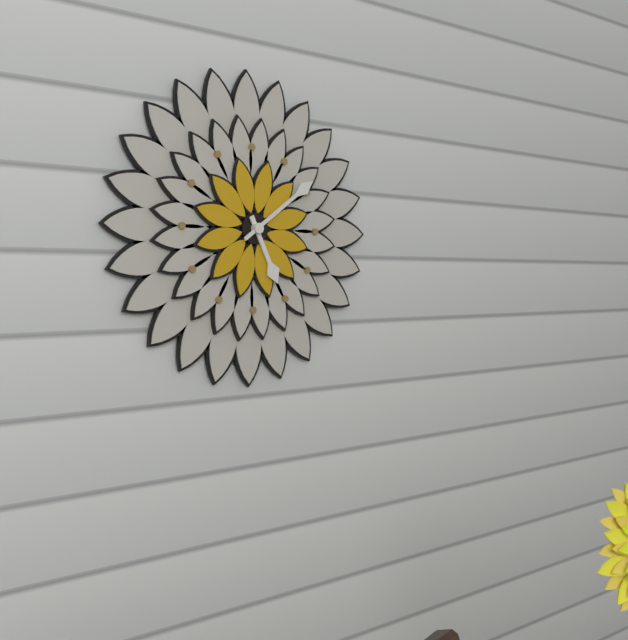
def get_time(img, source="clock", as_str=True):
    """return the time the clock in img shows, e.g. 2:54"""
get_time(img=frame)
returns 5:09
